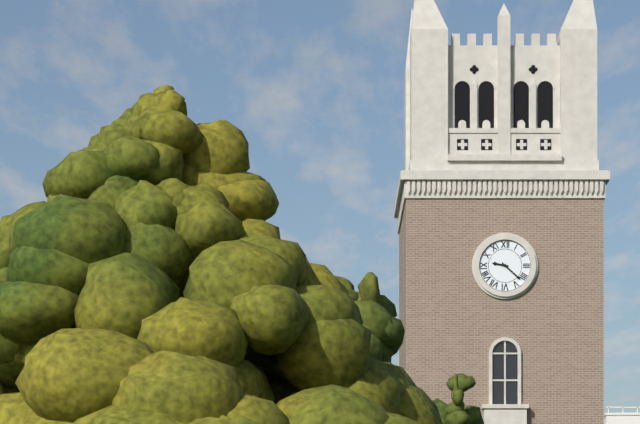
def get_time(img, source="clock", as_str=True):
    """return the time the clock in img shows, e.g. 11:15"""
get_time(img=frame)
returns 9:22
